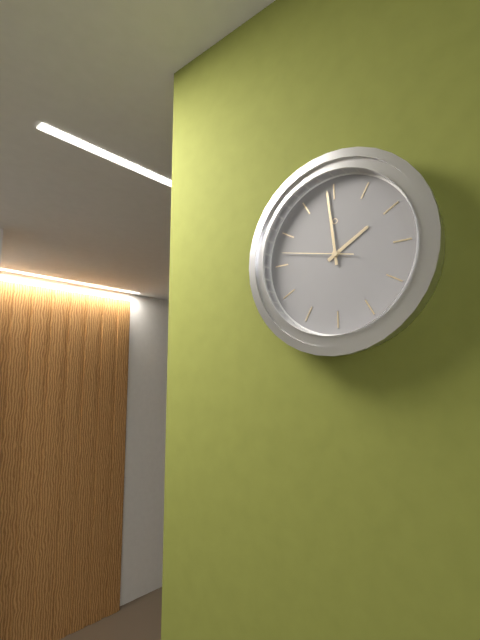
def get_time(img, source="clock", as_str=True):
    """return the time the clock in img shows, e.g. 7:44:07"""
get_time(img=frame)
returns 1:59:47
